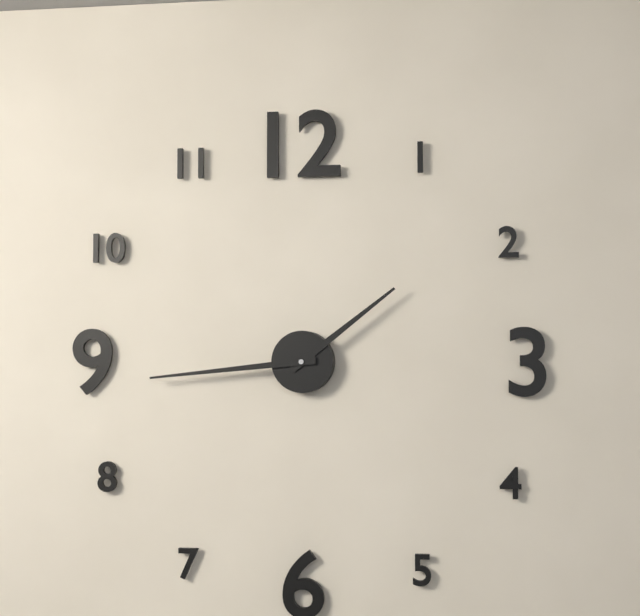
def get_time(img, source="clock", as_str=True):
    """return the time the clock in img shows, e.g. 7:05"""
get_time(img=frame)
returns 1:44
